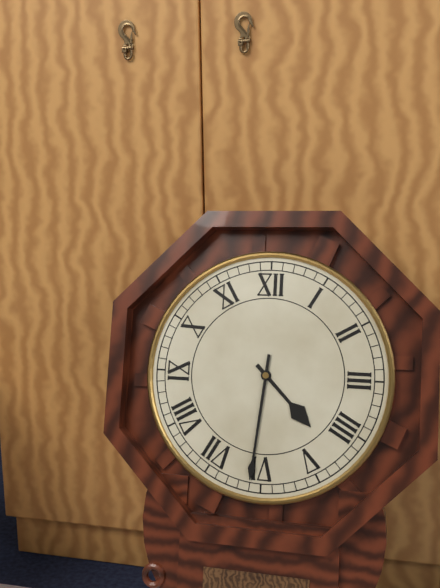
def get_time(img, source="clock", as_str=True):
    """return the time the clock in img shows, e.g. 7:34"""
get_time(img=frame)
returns 4:31
